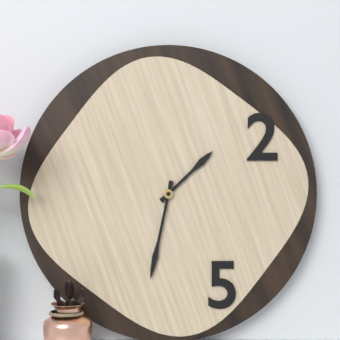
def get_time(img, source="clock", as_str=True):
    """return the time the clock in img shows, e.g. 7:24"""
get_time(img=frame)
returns 1:32
